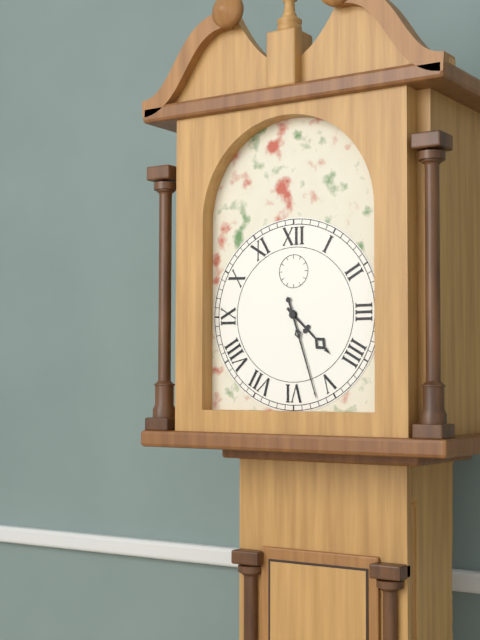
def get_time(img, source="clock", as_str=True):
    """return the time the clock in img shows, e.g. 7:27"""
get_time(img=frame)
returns 4:27
